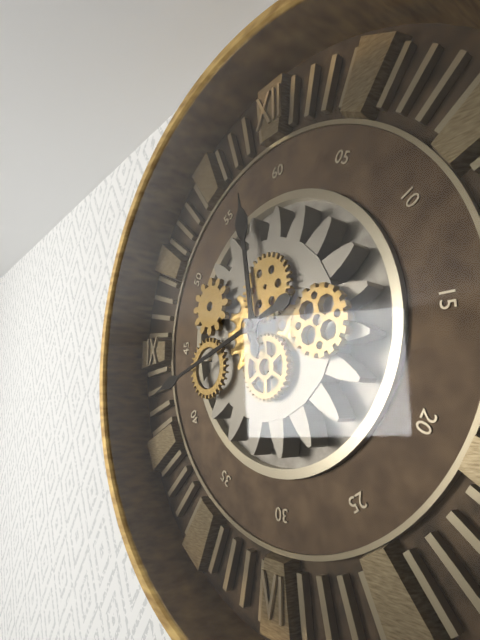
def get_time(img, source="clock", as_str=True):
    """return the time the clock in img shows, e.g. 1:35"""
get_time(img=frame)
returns 11:42
